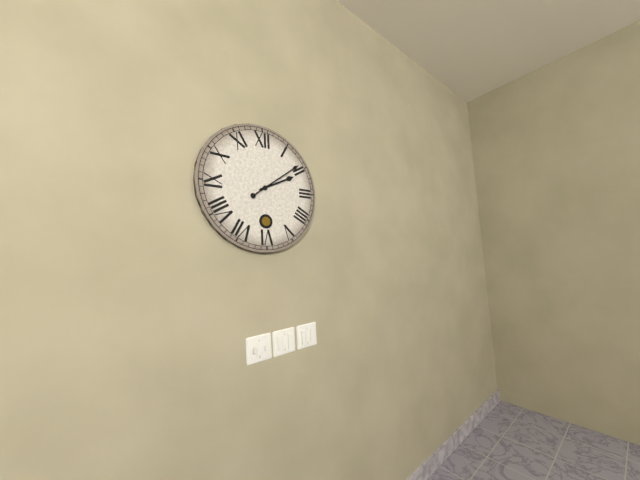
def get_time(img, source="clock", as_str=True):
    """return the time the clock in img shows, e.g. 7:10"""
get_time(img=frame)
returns 2:09
